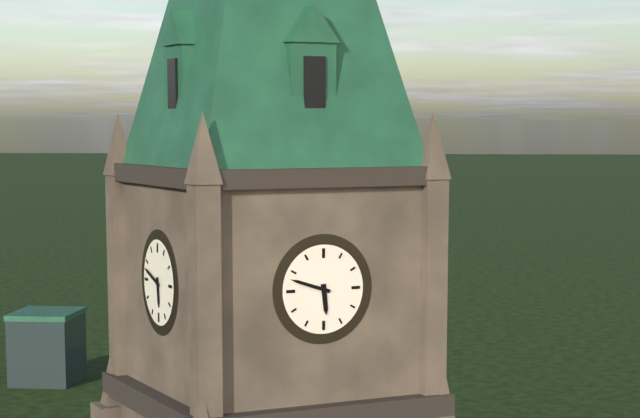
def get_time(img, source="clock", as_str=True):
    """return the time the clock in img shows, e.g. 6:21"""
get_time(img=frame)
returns 5:48
